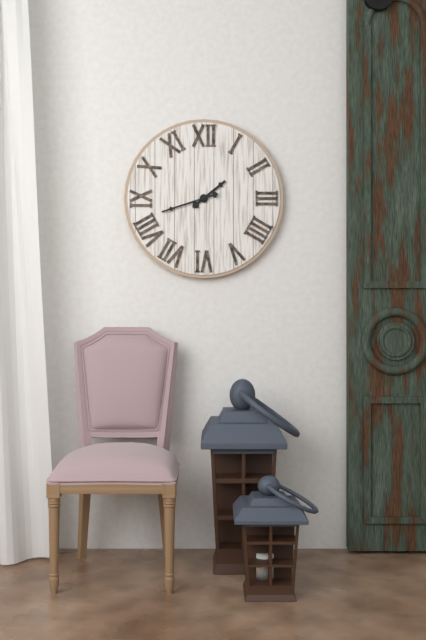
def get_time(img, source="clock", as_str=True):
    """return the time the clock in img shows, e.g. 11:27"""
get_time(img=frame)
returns 1:42
